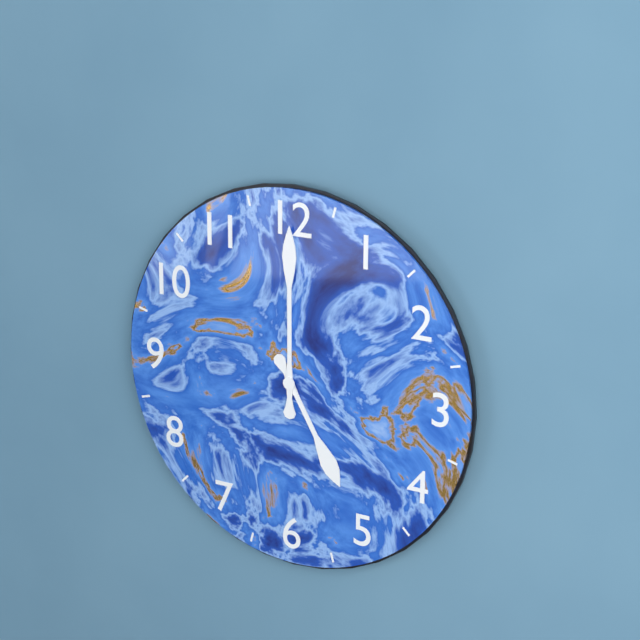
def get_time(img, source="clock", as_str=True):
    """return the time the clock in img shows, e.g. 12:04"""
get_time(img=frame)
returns 5:00
